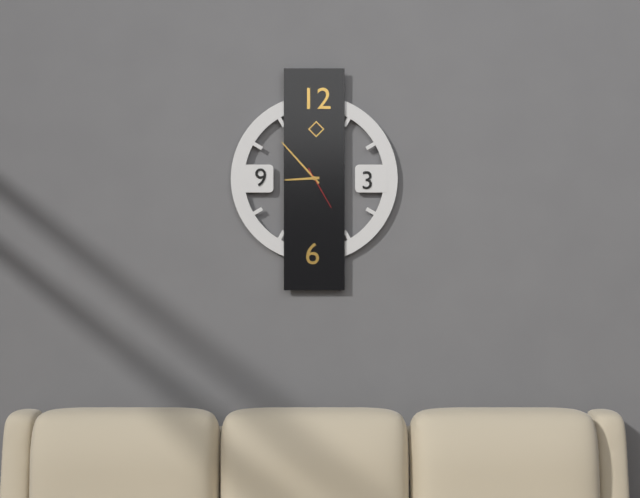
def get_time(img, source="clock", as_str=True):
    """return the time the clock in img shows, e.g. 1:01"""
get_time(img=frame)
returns 8:53
